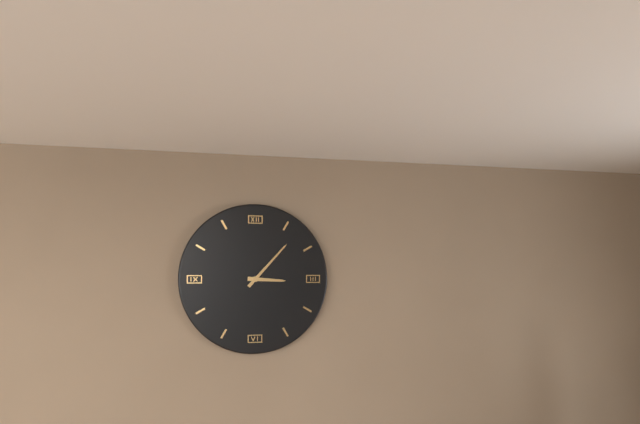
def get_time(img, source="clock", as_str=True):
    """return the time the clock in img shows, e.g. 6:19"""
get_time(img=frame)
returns 3:07
